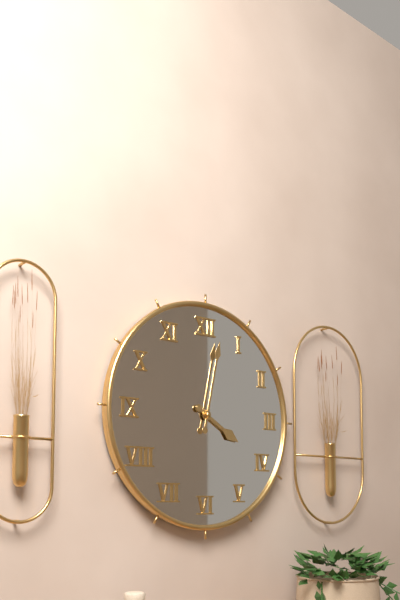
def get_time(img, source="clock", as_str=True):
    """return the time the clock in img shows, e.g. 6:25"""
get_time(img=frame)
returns 4:02
